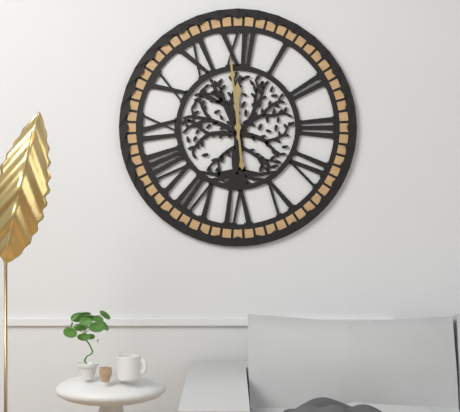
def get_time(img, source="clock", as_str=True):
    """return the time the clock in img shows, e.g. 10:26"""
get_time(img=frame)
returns 11:59
